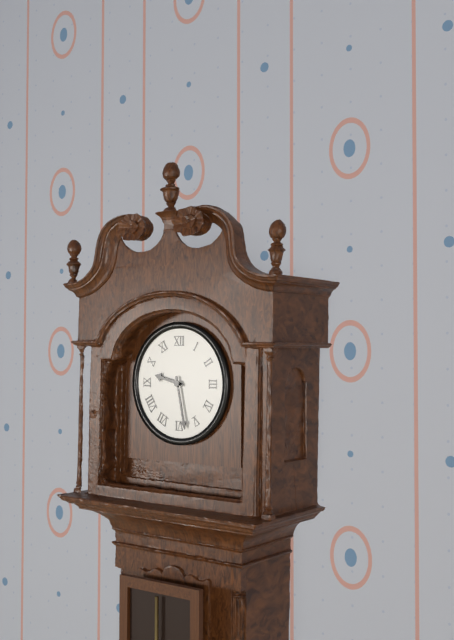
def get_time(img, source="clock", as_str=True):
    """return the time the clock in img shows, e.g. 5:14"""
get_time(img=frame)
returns 9:28
